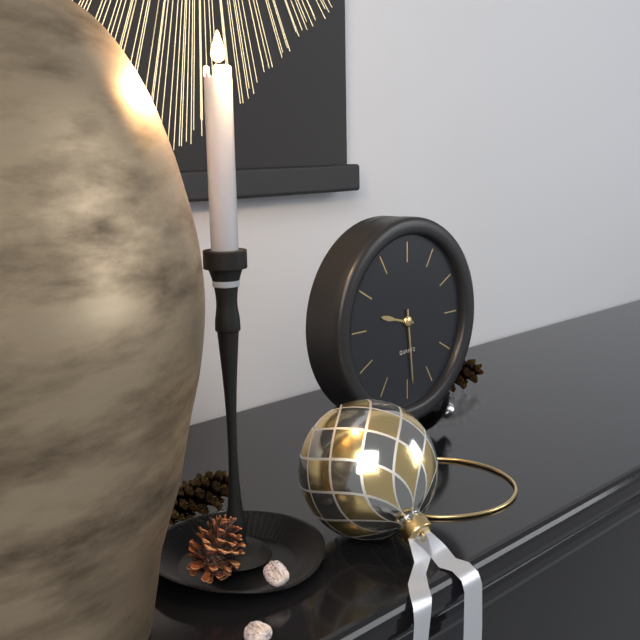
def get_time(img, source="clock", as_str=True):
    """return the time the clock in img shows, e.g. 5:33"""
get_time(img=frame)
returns 9:29
